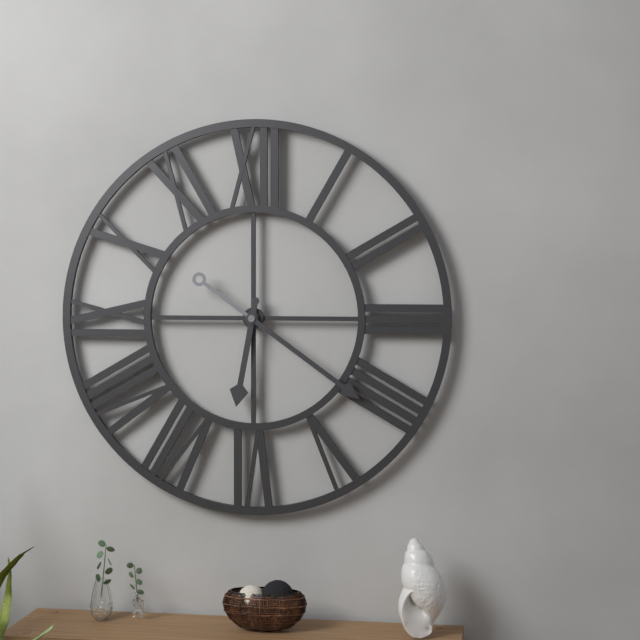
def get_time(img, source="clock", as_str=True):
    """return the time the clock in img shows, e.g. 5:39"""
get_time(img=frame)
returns 6:21
